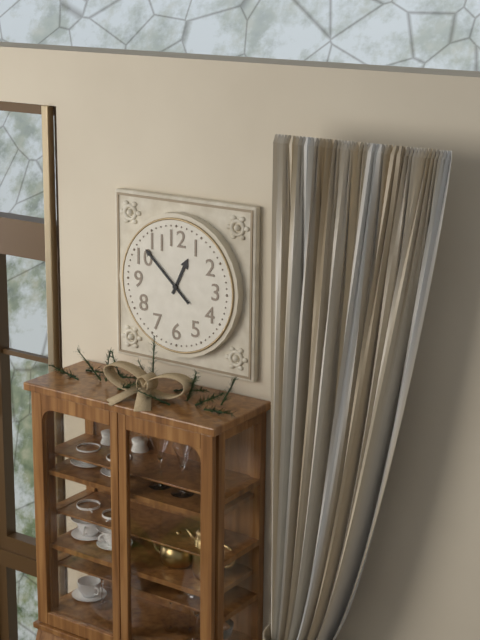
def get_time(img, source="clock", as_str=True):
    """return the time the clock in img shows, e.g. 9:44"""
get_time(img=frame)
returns 12:52
